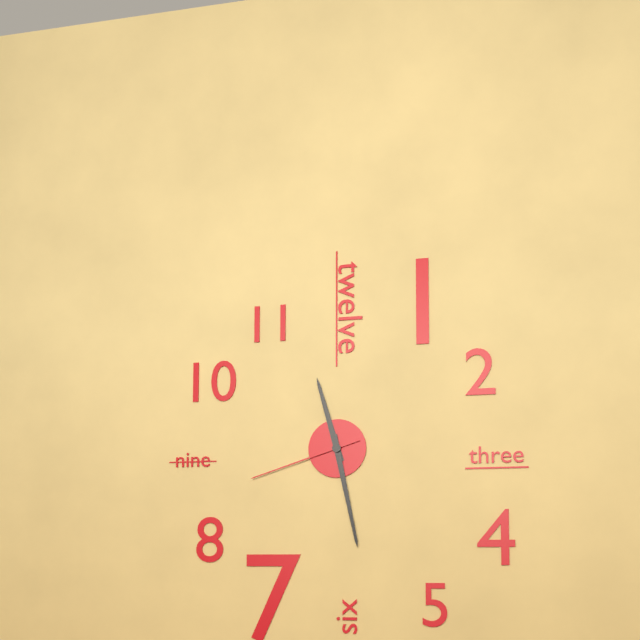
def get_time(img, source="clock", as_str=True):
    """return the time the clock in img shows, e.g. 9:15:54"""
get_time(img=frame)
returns 11:28:42
